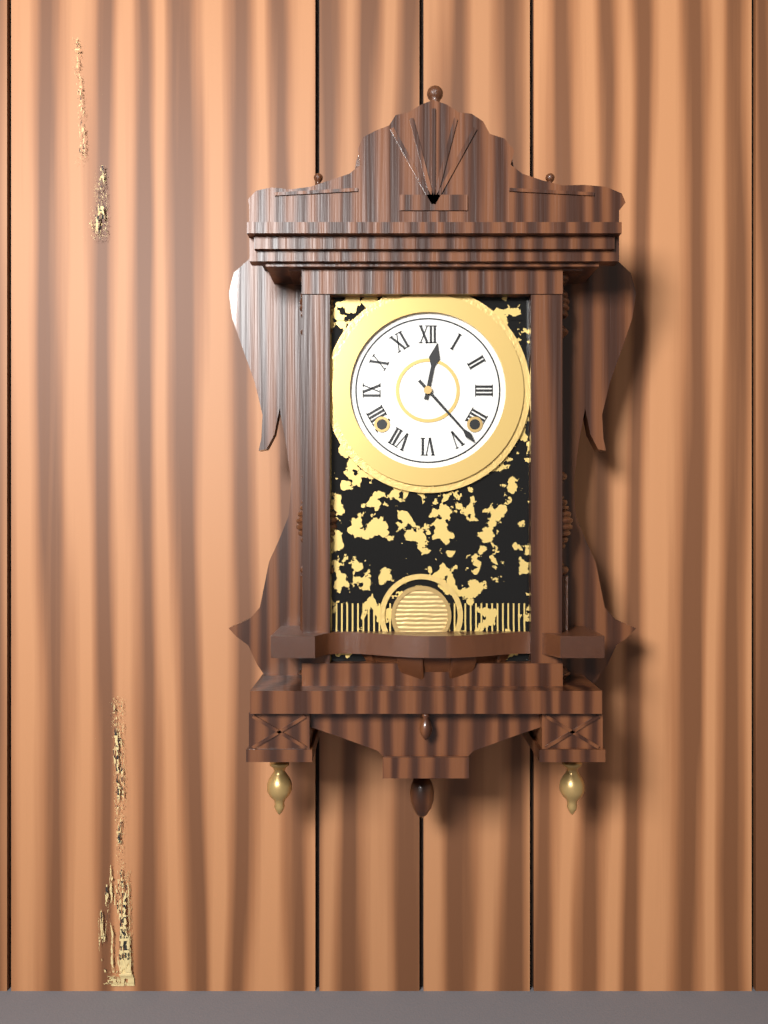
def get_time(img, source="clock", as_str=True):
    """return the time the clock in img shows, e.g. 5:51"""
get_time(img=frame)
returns 12:23
